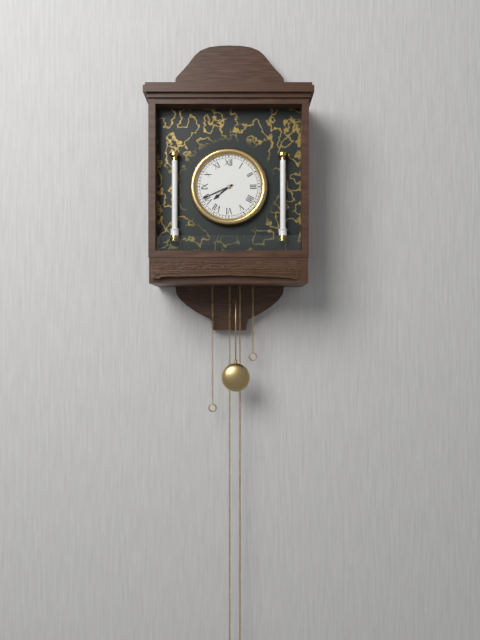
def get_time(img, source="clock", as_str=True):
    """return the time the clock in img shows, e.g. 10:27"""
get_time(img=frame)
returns 7:41
